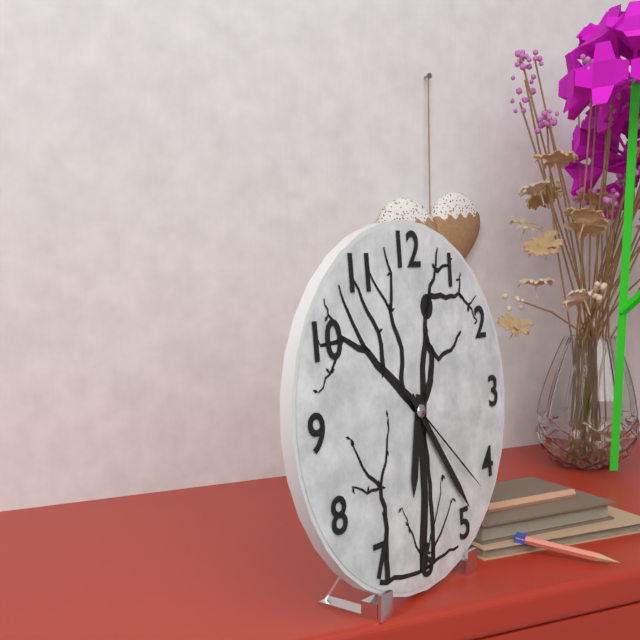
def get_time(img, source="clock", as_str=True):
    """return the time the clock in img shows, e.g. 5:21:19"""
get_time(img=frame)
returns 6:24:22
